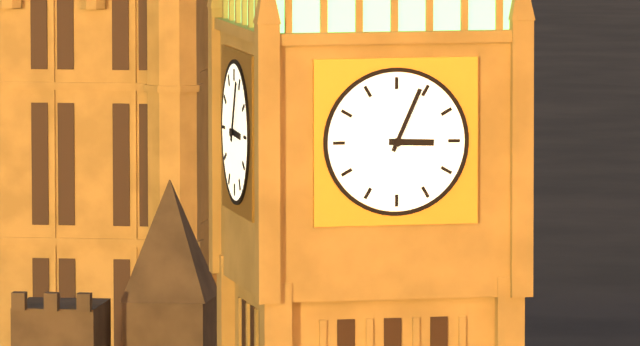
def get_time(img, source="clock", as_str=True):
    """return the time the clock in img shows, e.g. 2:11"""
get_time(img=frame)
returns 3:04
